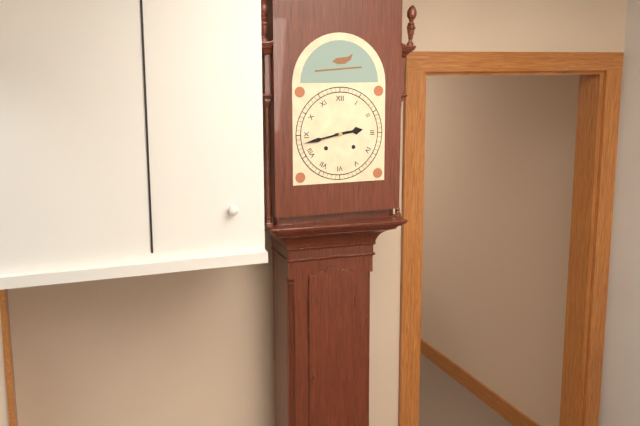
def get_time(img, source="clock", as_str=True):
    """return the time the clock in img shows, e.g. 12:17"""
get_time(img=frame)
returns 2:43
